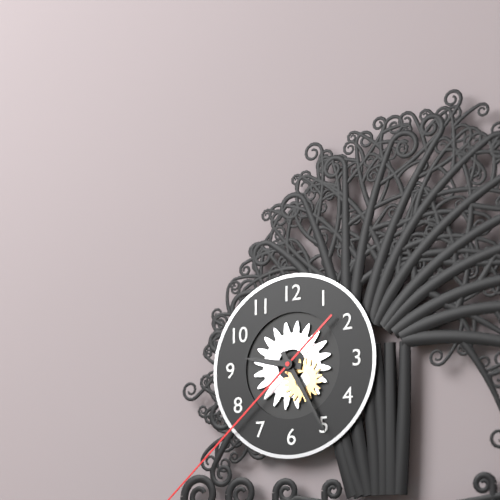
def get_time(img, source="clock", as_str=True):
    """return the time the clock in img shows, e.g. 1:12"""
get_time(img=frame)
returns 9:25
